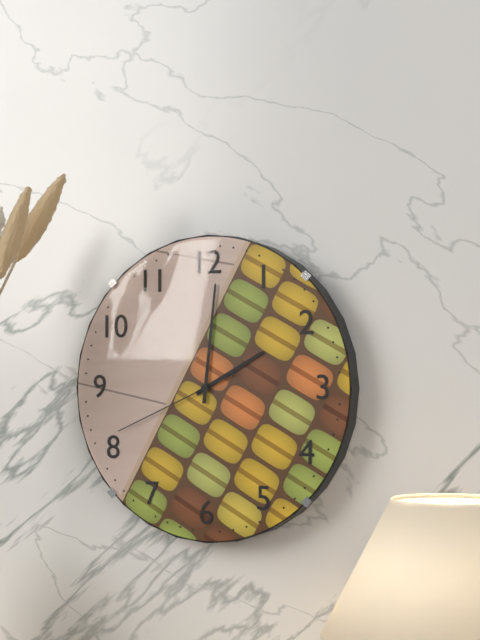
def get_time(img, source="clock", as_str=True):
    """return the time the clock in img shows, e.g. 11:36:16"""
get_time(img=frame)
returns 2:01:41
